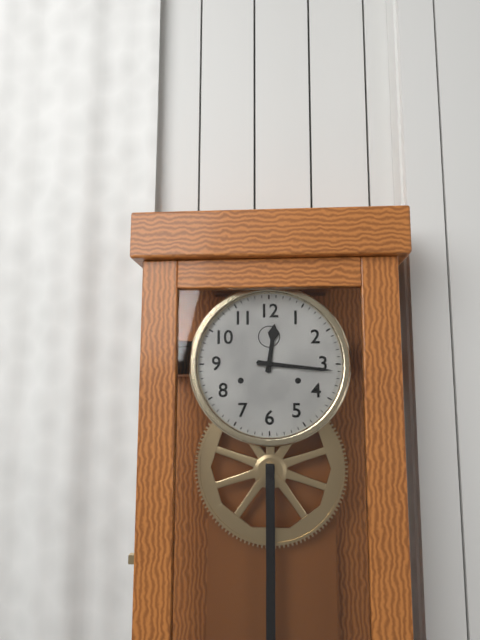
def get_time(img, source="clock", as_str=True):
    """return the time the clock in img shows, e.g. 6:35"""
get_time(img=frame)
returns 12:16
